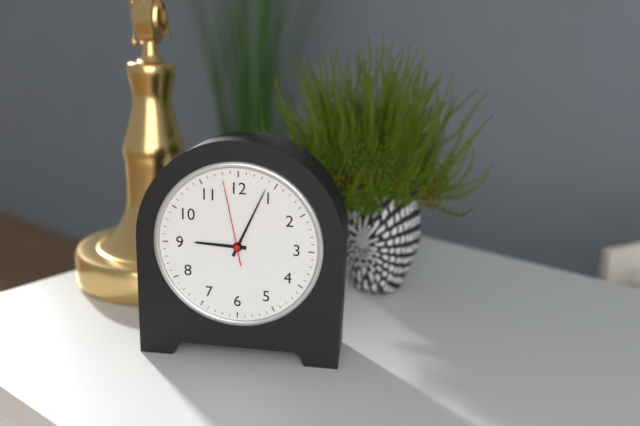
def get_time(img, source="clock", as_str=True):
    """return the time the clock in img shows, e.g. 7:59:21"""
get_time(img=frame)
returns 9:04:58
